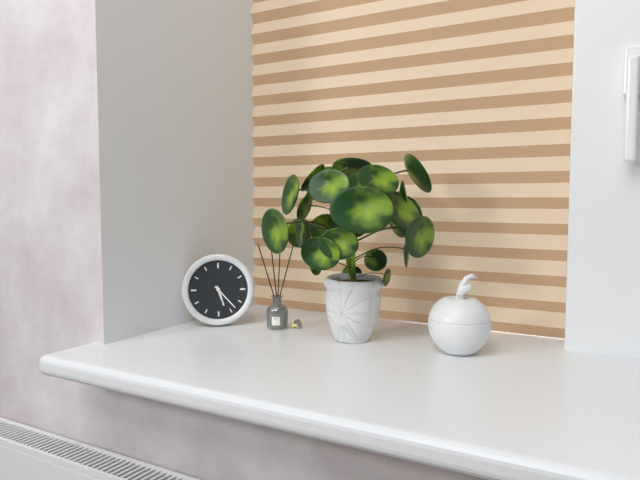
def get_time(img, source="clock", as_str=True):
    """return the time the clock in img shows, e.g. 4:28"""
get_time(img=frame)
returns 5:23
